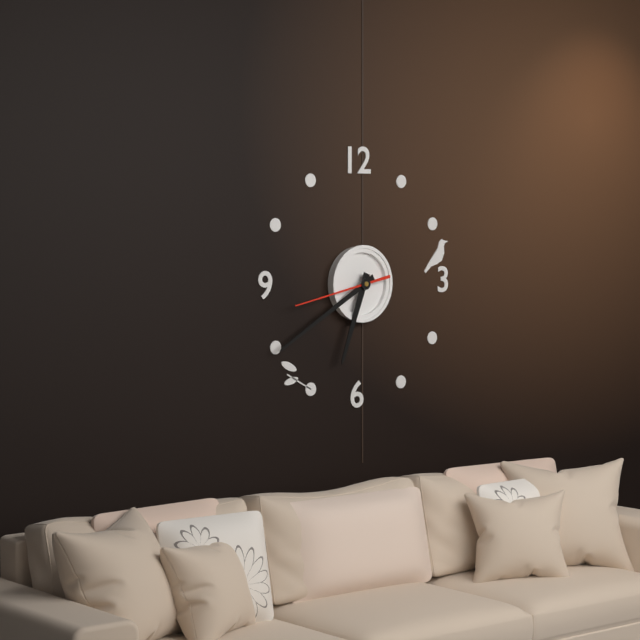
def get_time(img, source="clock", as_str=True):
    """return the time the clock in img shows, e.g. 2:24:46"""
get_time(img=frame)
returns 6:40:43
